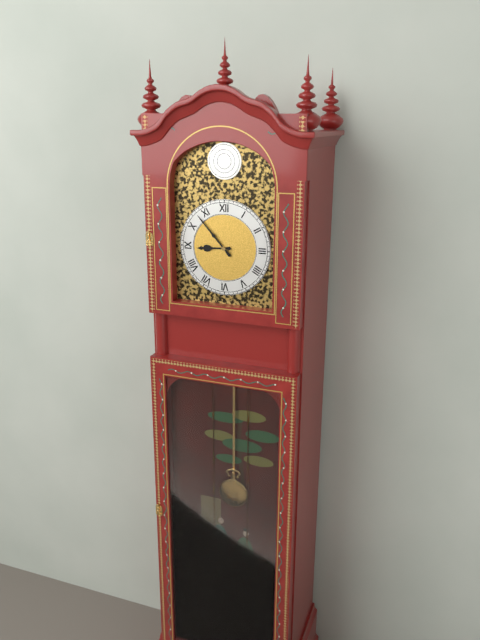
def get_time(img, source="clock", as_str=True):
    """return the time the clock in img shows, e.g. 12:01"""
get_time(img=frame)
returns 8:53
